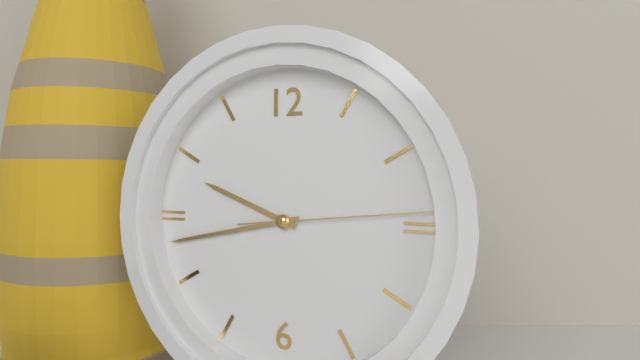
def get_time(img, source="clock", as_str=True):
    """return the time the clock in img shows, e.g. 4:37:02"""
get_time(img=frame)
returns 9:43:14
